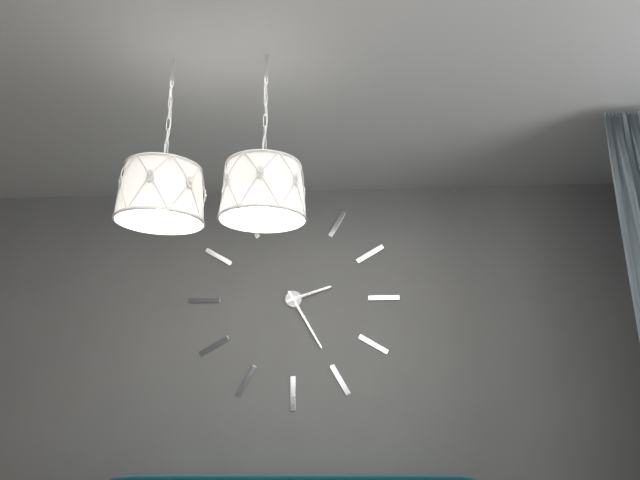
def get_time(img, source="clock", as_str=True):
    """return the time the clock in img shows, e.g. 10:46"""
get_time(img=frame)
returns 2:25
